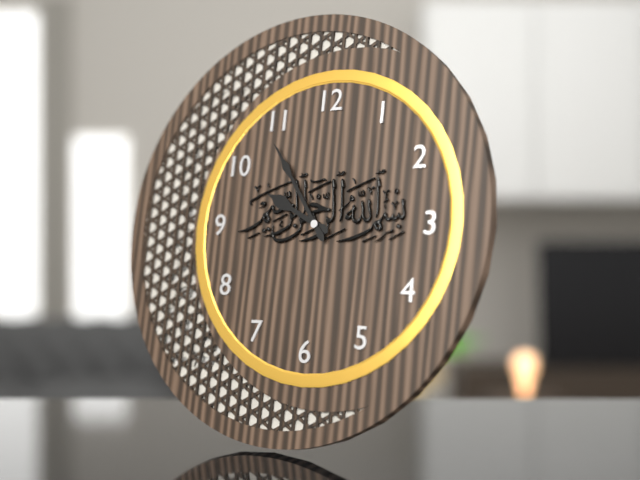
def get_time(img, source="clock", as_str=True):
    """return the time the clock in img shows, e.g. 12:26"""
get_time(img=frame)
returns 9:54
